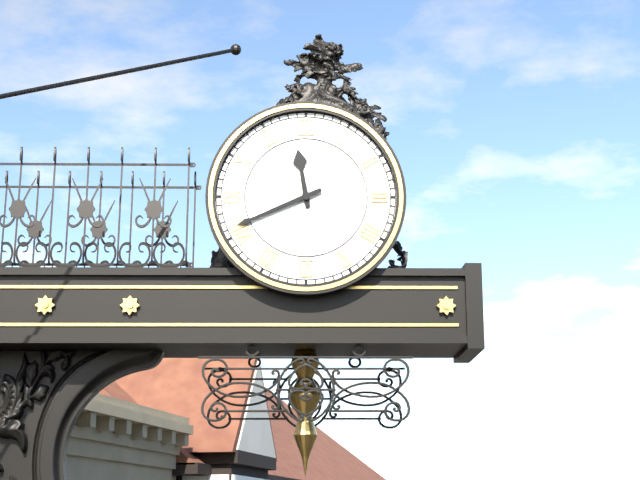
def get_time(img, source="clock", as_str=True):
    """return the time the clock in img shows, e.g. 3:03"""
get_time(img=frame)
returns 11:41
